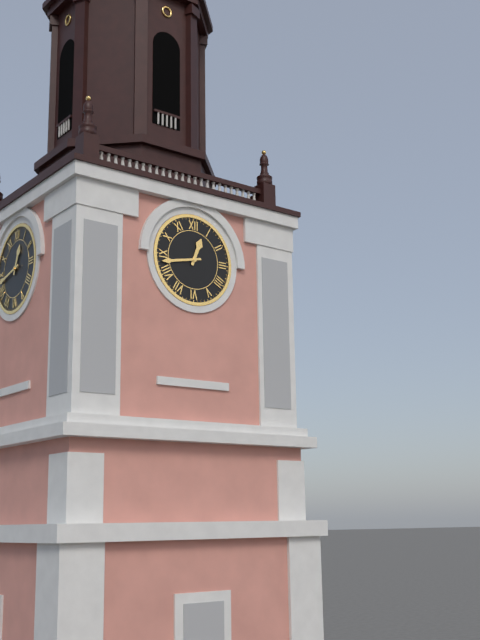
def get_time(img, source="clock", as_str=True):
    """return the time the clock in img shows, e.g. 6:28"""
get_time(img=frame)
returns 12:43
